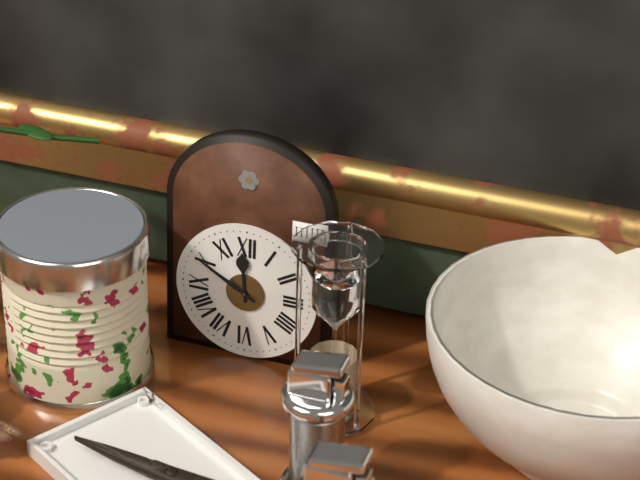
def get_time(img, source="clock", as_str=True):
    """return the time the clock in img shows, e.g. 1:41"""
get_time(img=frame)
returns 11:50
